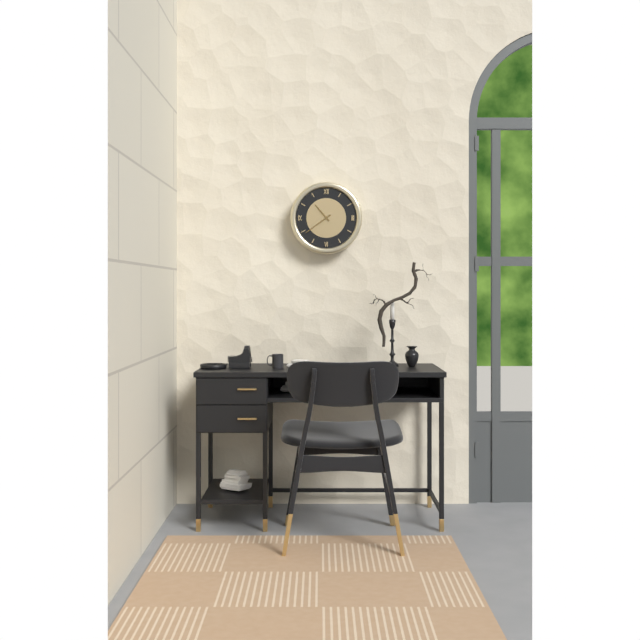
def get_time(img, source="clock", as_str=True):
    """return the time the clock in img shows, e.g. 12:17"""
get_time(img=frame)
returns 10:39
